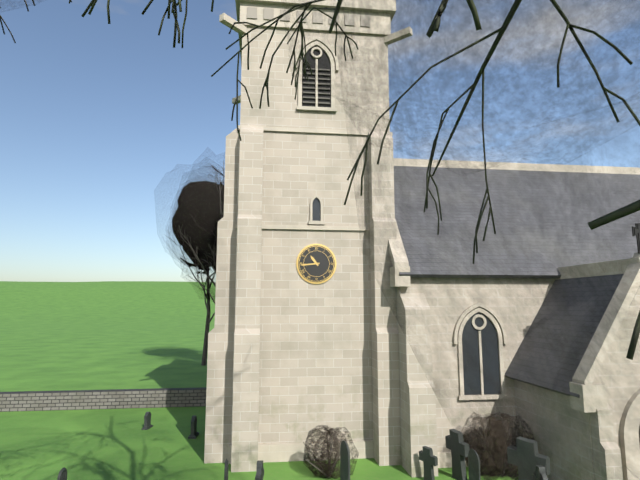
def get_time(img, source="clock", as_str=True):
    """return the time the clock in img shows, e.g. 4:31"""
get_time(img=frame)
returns 10:44
